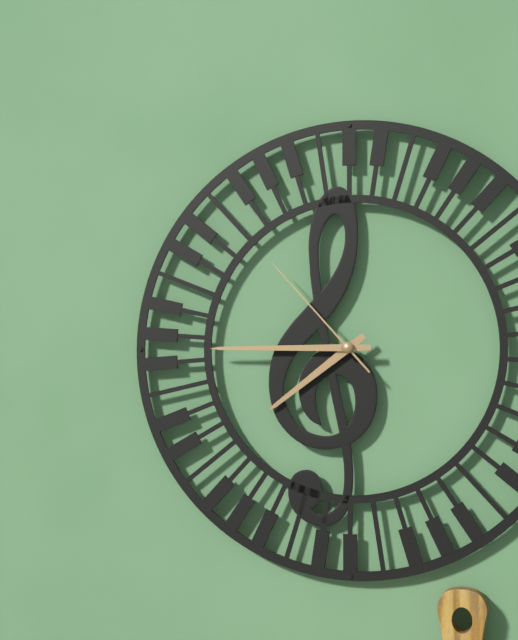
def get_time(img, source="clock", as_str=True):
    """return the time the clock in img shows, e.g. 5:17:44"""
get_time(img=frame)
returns 7:45:53
